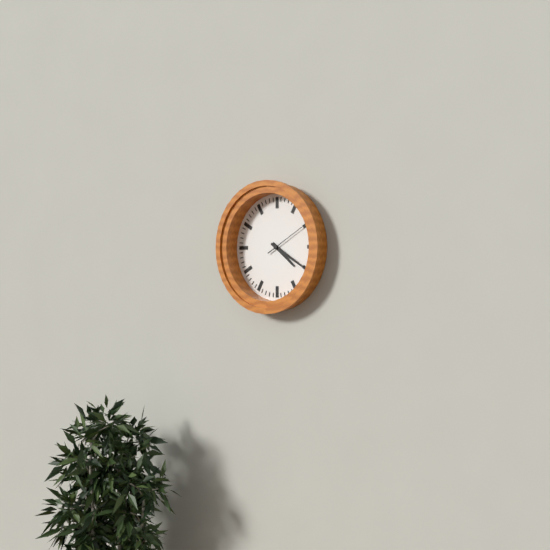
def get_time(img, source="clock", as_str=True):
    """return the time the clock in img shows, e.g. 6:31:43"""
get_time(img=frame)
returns 4:20:10
